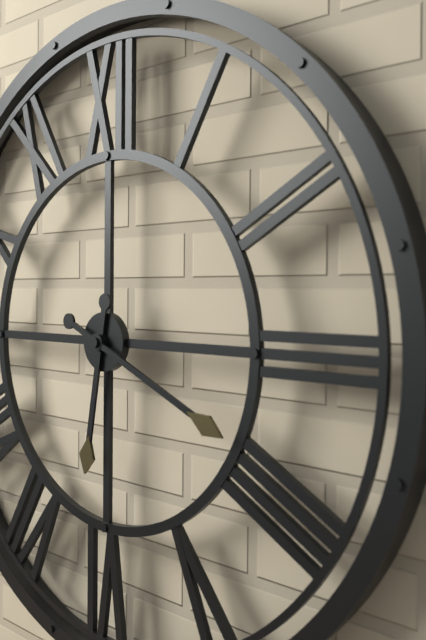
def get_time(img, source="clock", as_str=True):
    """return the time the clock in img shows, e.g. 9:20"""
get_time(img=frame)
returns 6:19
